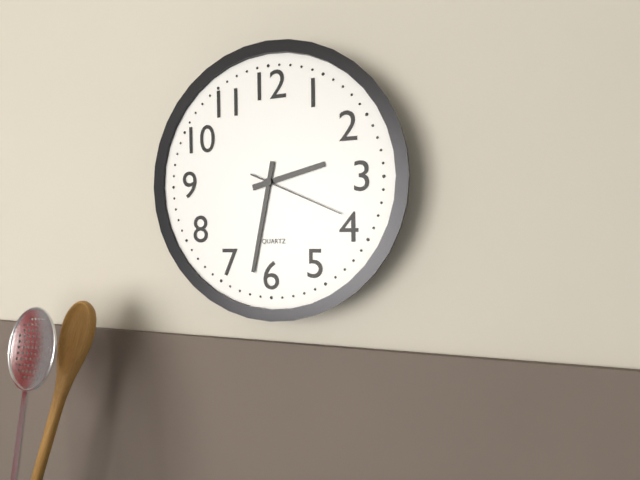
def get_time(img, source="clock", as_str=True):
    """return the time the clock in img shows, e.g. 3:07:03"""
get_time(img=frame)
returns 2:32:19
